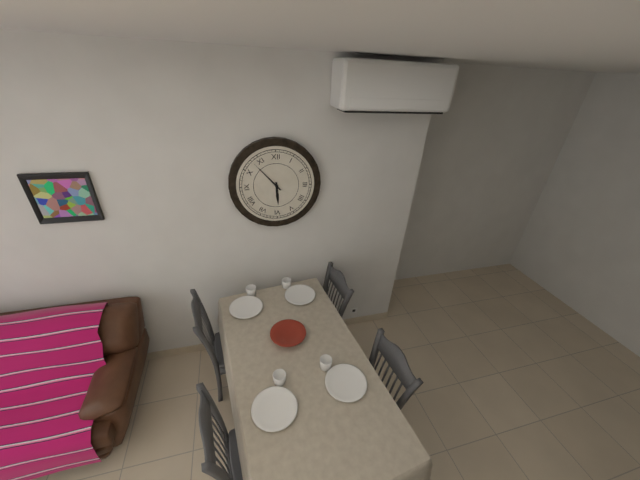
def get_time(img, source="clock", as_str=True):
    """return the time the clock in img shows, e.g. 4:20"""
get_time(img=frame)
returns 5:53
